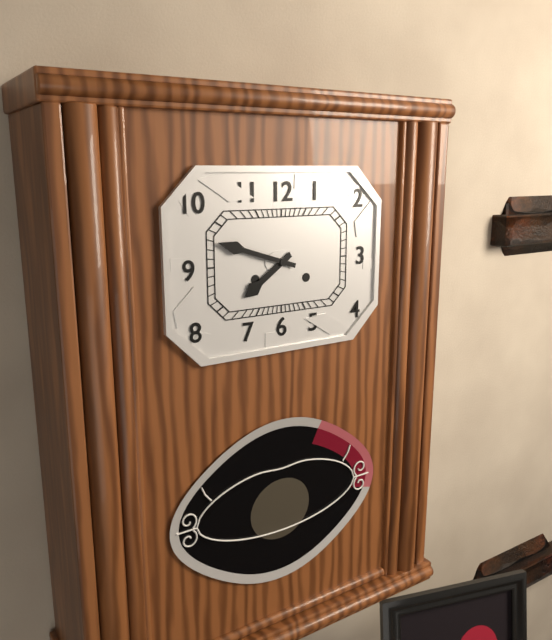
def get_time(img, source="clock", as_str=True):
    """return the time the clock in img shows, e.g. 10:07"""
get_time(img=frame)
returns 7:48
